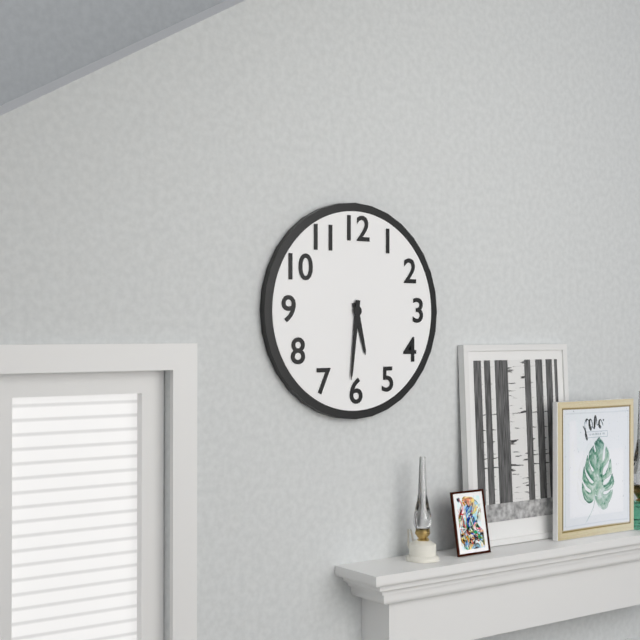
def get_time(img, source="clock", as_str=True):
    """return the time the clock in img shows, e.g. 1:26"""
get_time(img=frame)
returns 5:31
